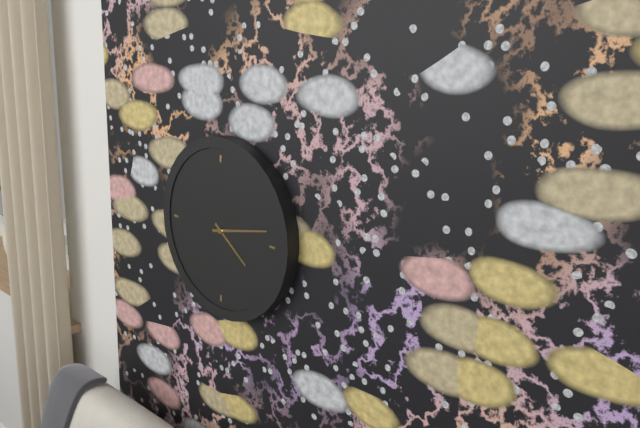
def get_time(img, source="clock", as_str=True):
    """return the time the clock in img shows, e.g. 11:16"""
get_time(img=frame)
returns 4:13
